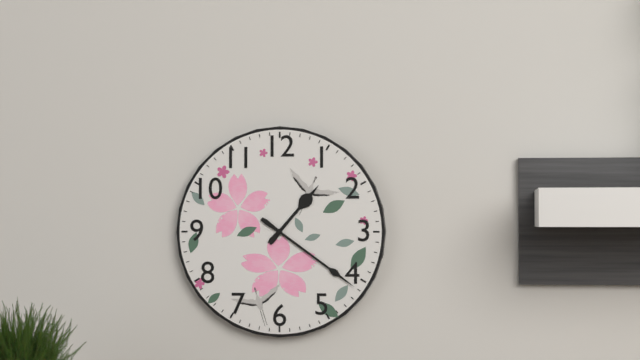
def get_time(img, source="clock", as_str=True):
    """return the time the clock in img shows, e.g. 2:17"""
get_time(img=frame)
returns 1:21
